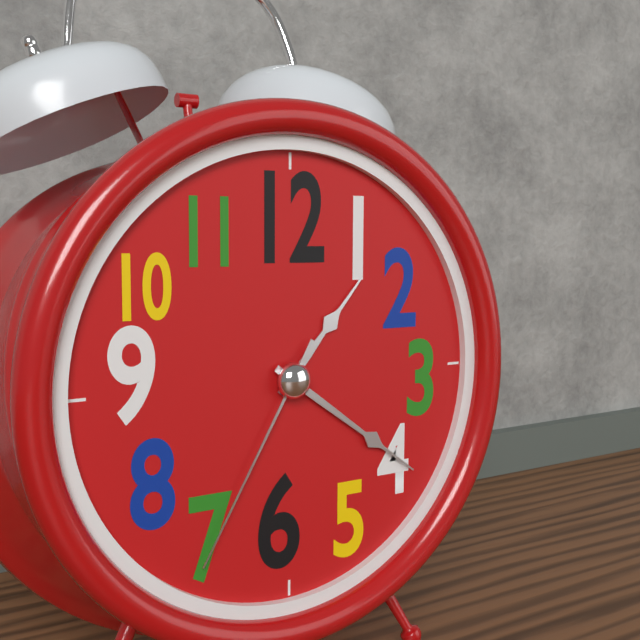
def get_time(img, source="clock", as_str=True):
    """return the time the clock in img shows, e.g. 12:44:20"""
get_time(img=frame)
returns 1:21:35
